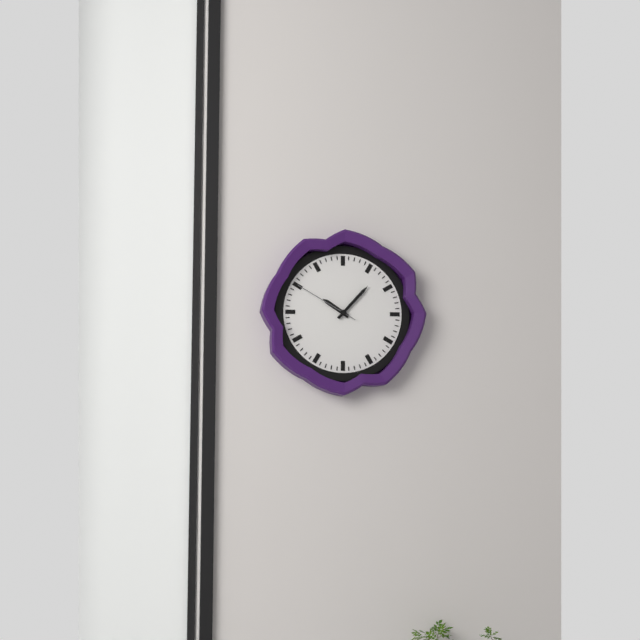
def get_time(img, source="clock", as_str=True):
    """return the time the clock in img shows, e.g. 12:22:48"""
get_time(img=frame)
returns 10:07:50
